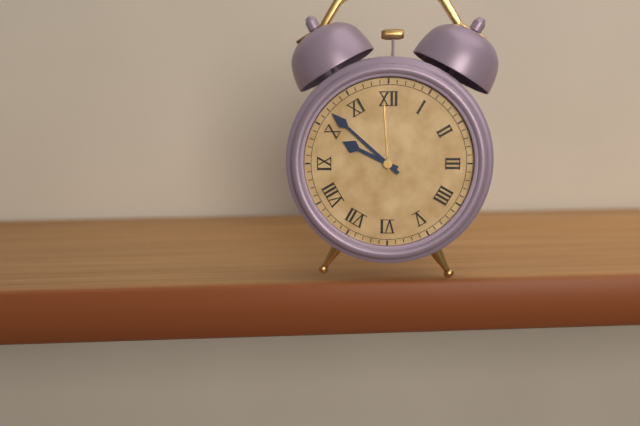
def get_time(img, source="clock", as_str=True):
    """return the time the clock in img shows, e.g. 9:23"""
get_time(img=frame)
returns 9:52
